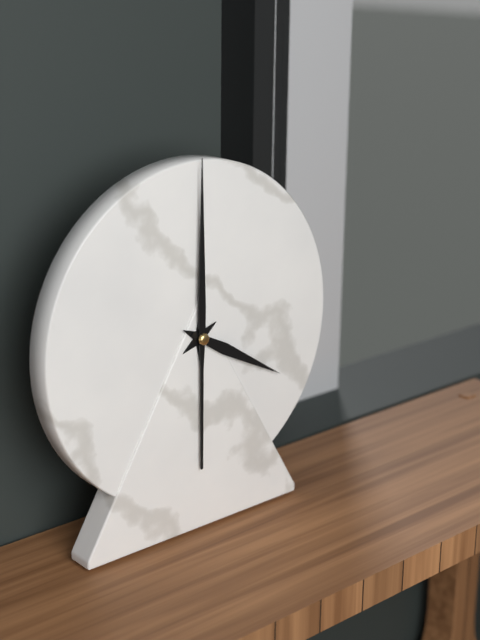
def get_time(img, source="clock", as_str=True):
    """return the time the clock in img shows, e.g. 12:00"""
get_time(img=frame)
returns 4:00
